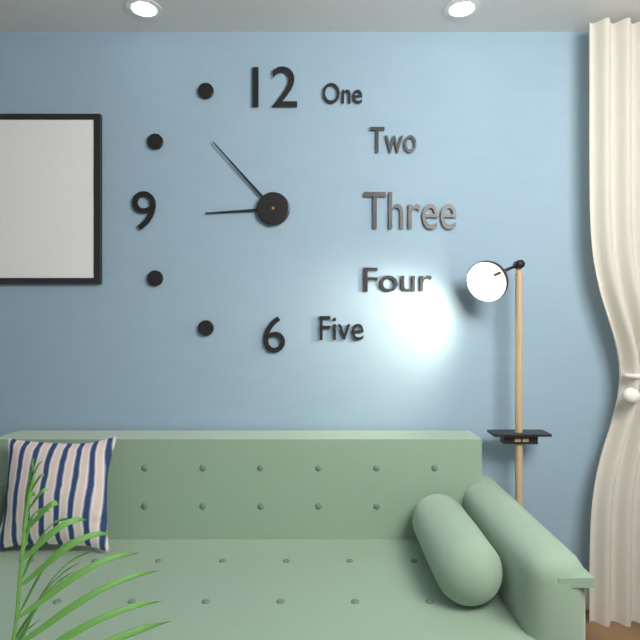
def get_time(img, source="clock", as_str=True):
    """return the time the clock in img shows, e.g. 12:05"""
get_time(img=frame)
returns 8:53
